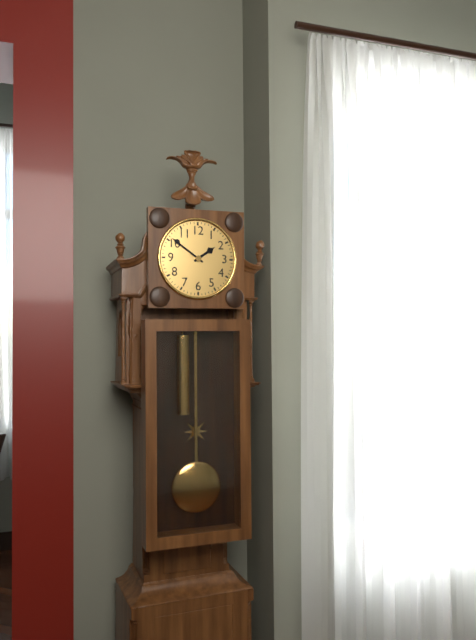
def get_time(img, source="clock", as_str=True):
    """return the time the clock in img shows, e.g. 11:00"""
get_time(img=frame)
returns 1:51
